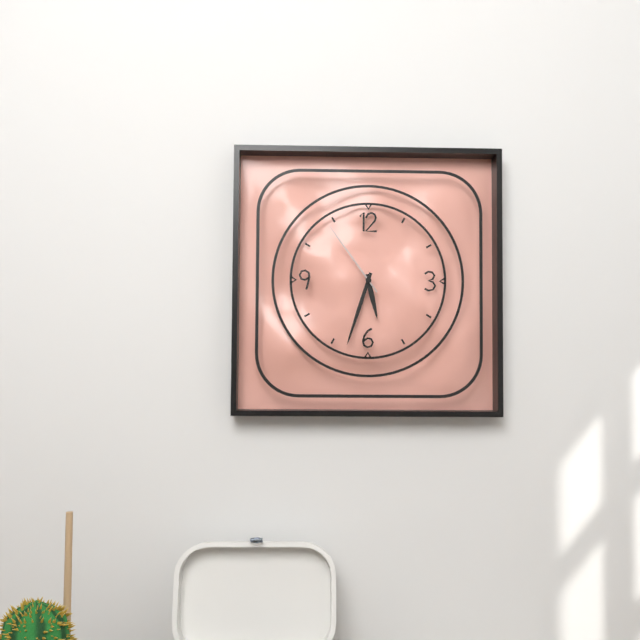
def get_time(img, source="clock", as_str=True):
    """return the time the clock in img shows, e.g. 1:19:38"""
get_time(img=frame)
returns 5:33:54
